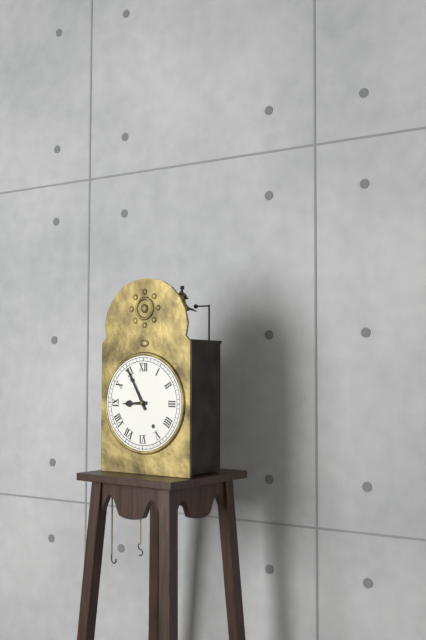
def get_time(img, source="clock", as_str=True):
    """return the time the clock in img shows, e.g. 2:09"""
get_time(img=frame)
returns 8:55
